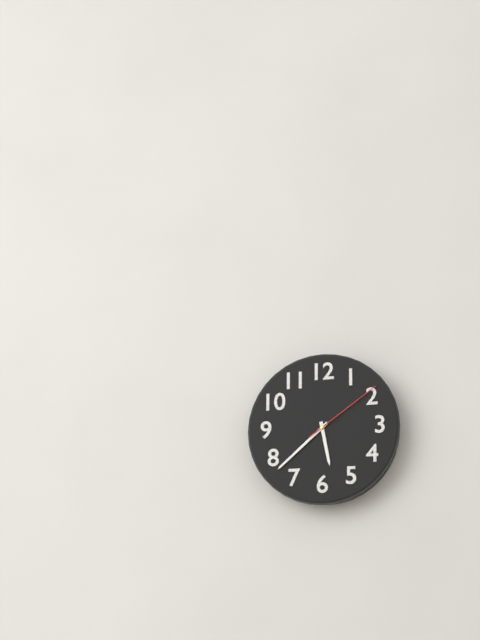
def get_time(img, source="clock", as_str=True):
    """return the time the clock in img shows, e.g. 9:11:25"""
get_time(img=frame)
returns 5:38:09
